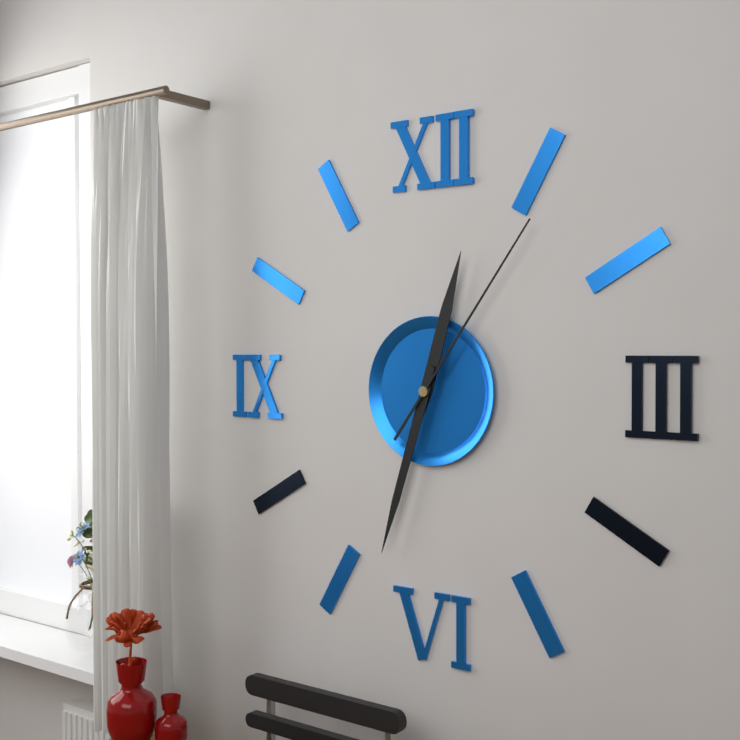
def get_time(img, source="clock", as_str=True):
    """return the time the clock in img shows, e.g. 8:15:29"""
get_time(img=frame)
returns 12:33:06
